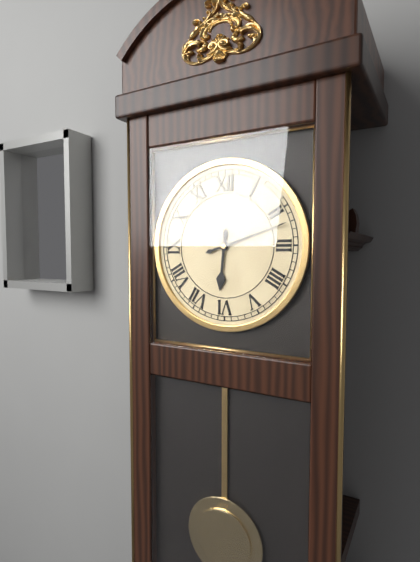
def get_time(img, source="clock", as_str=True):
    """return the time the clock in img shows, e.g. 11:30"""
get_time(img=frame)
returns 6:12
